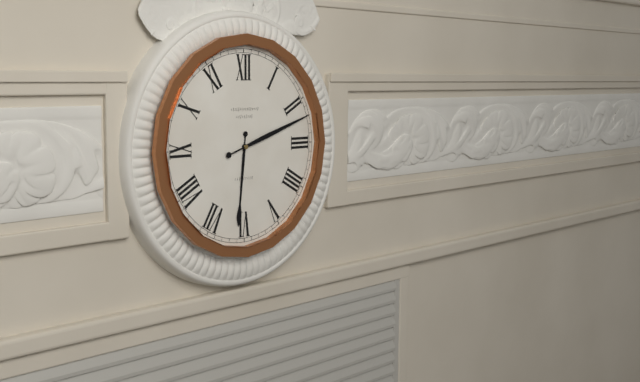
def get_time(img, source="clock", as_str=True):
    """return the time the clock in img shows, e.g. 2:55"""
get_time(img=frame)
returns 6:12
